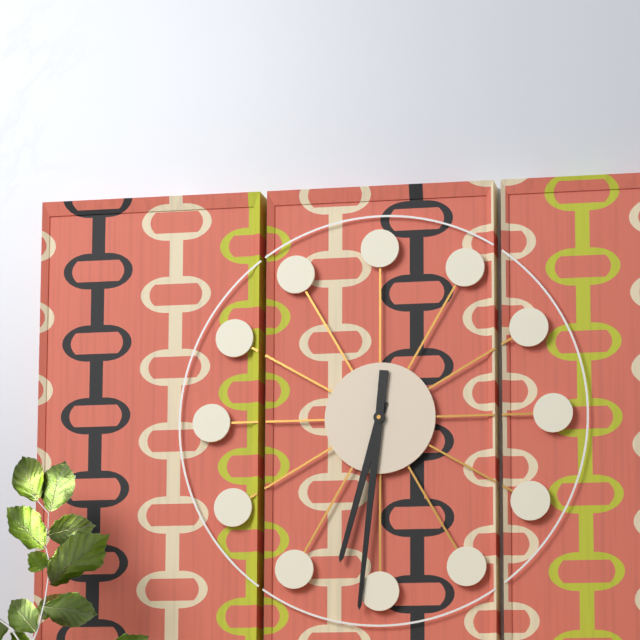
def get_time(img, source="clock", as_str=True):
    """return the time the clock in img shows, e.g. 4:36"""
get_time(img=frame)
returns 6:31
